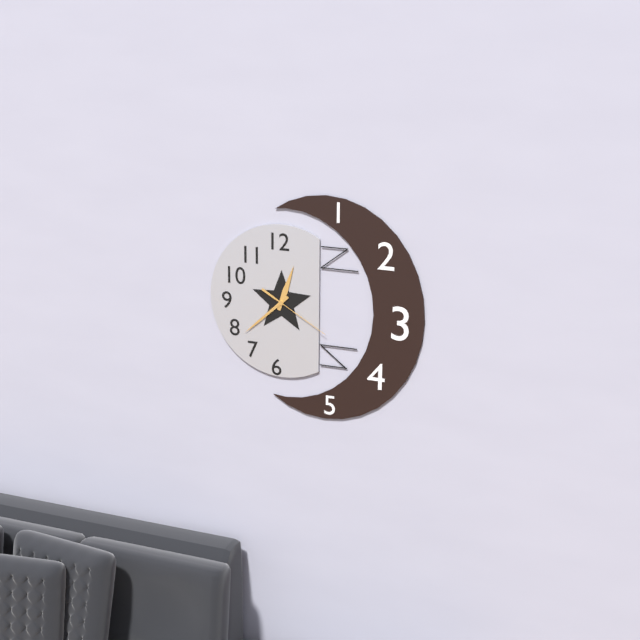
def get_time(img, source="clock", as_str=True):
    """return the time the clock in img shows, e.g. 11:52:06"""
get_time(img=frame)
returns 12:38:20
